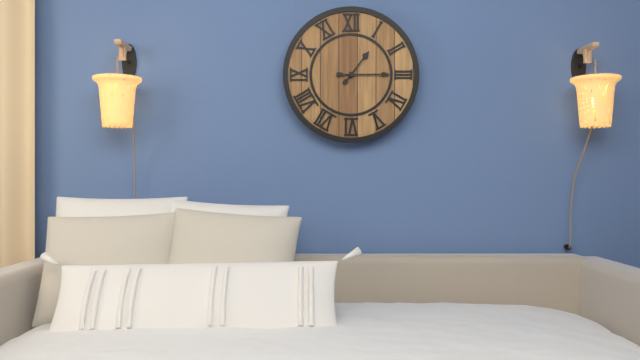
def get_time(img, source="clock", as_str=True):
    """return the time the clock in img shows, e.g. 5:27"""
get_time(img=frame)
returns 1:15
